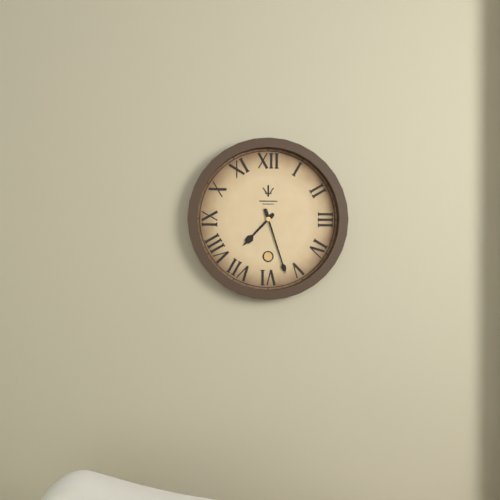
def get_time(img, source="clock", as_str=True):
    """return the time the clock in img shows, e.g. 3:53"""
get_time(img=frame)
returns 7:27
